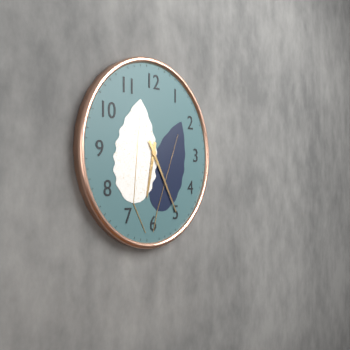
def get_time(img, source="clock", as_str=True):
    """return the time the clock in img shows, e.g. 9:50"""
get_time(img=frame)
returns 6:25
